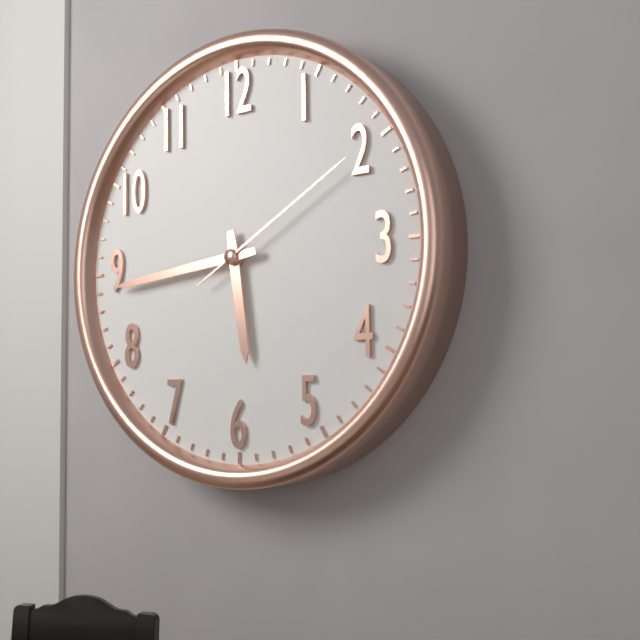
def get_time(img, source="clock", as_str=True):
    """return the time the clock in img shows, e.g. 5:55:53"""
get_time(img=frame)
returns 5:44:10
